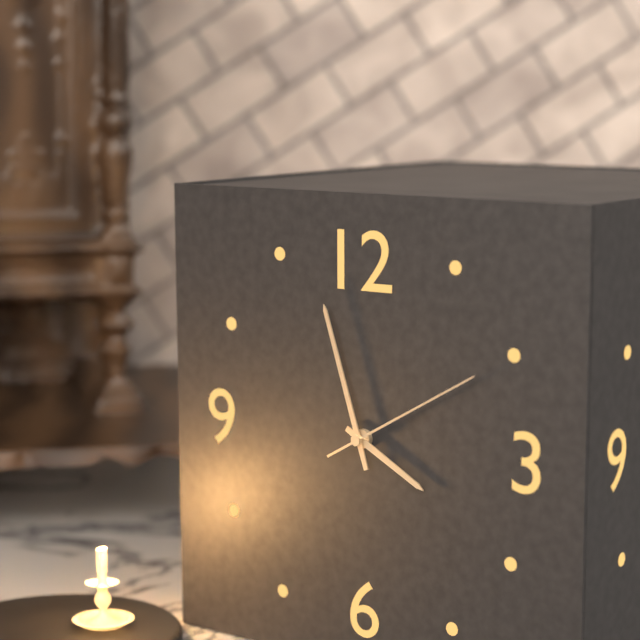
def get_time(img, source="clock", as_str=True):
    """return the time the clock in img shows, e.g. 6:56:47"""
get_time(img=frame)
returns 3:57:10
